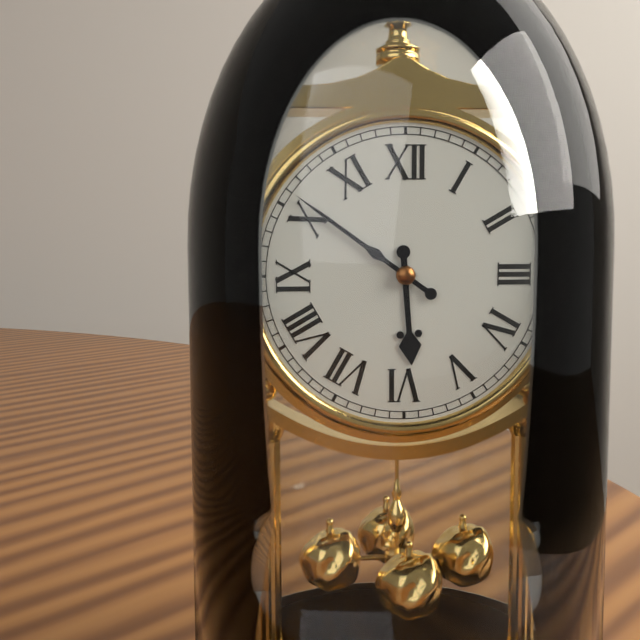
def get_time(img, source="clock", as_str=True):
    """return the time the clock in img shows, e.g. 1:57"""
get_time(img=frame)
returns 5:51
